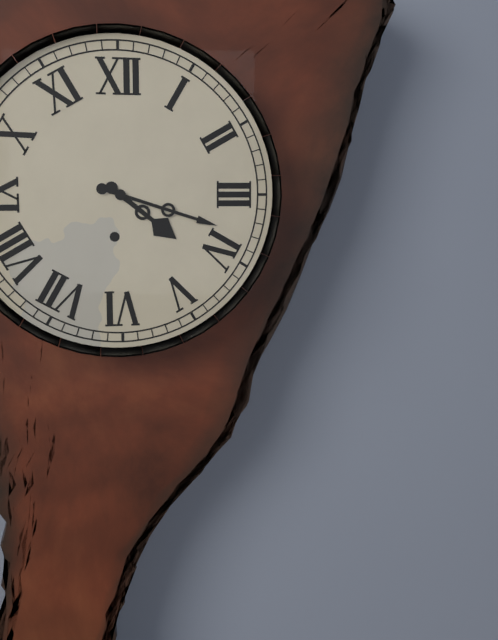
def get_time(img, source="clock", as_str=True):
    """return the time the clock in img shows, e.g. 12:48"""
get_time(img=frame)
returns 4:18
